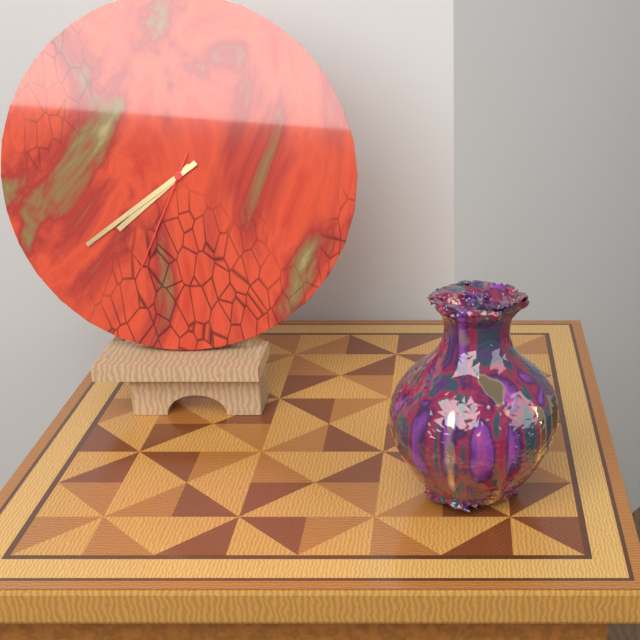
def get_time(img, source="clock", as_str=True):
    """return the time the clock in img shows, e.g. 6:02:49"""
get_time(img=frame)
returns 7:39:34
